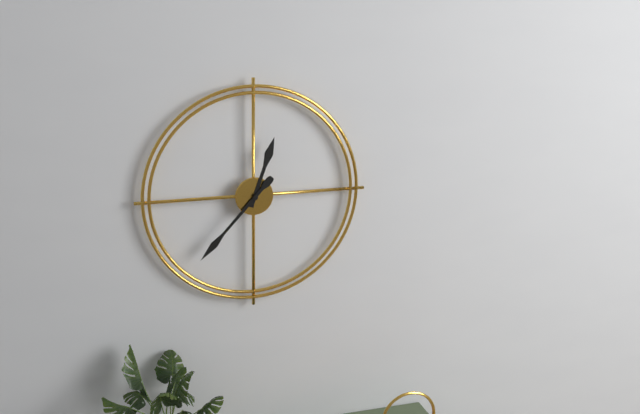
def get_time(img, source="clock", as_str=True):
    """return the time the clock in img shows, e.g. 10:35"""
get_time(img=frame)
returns 12:37
